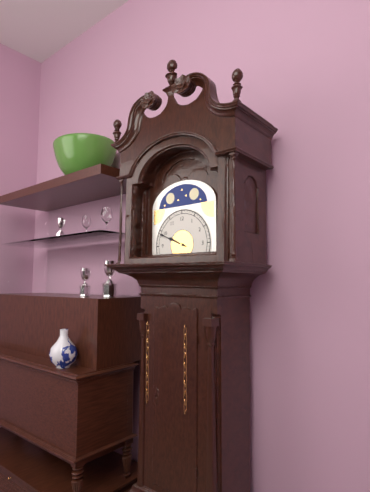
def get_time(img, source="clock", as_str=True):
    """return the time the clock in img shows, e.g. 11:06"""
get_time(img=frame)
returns 9:49
